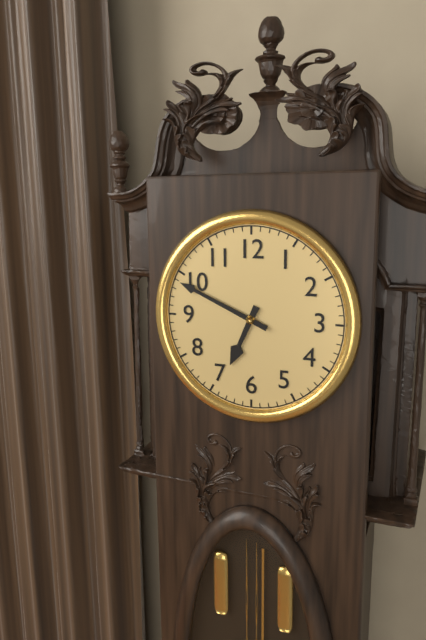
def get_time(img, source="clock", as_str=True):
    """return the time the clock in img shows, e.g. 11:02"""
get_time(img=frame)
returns 6:49
